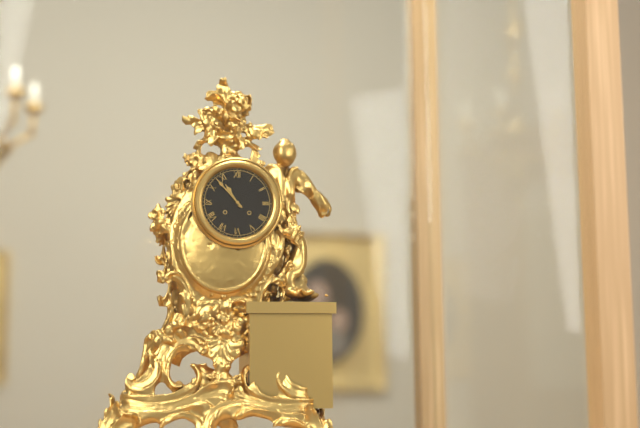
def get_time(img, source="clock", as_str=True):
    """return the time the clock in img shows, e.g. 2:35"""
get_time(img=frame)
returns 10:53
